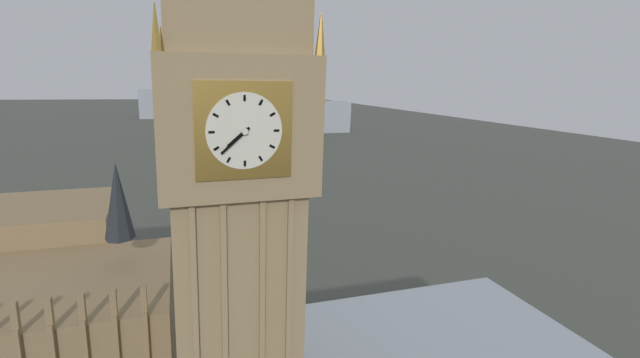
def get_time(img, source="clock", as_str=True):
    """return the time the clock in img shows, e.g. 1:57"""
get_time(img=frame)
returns 7:38
